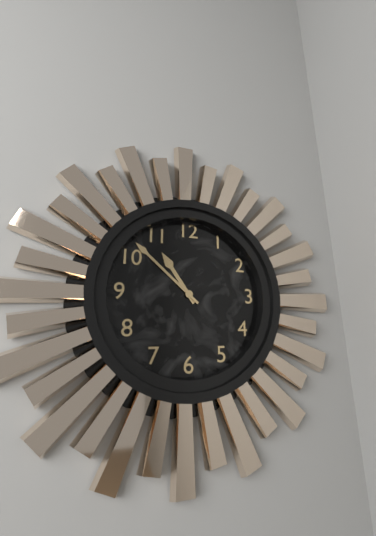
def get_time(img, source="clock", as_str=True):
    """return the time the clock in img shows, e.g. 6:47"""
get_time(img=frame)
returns 10:52
